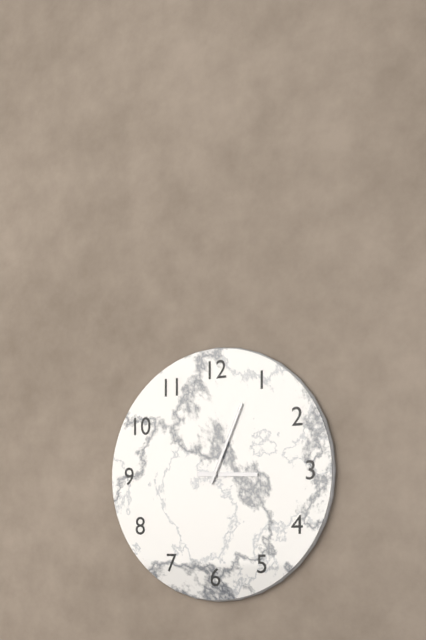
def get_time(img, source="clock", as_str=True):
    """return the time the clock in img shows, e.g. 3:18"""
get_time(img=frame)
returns 3:04
